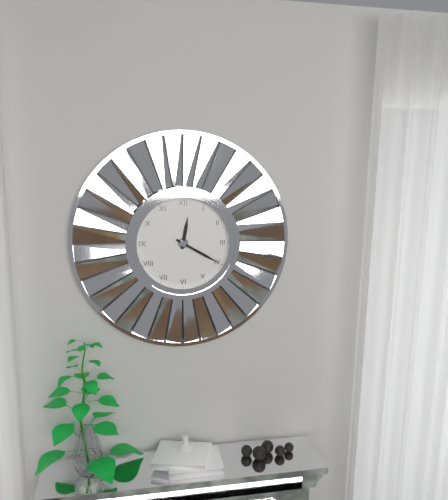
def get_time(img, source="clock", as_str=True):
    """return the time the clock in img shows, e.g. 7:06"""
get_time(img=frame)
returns 12:20
